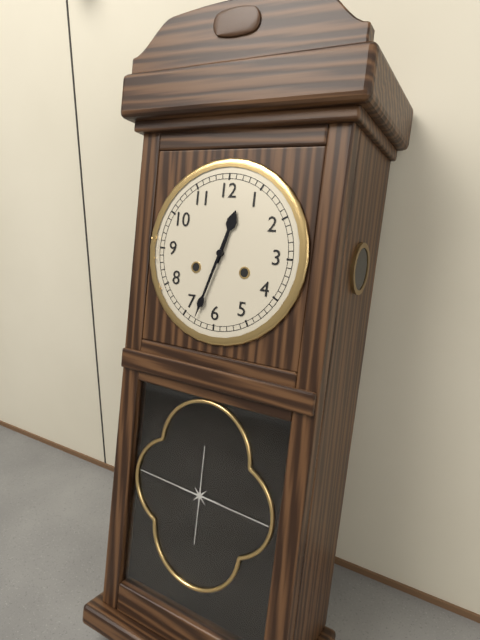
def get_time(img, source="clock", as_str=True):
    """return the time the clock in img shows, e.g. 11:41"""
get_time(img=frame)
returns 12:33
